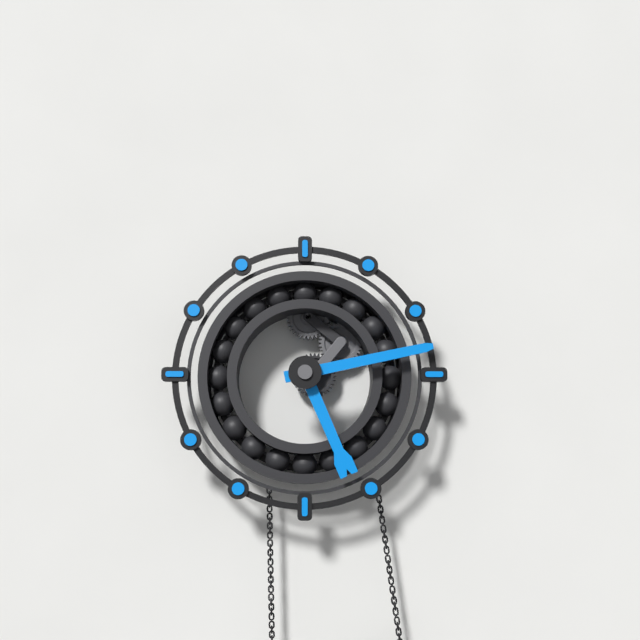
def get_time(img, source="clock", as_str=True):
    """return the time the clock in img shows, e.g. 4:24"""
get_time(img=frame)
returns 5:13
